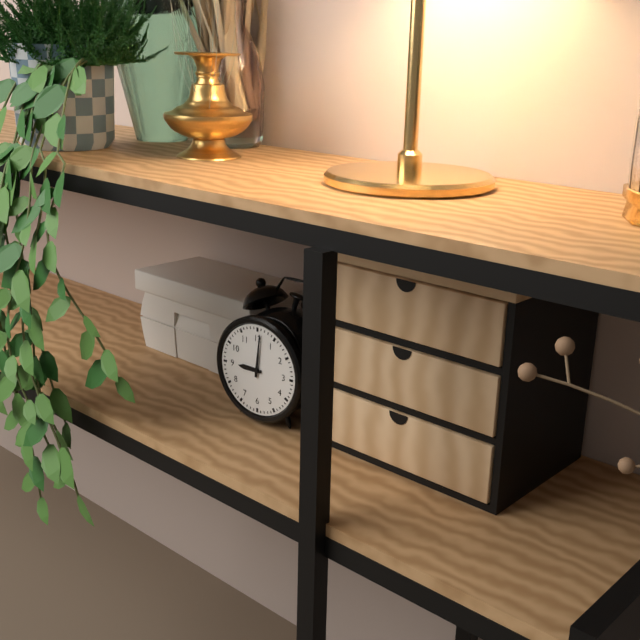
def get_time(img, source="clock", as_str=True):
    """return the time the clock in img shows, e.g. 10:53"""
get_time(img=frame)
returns 9:01
